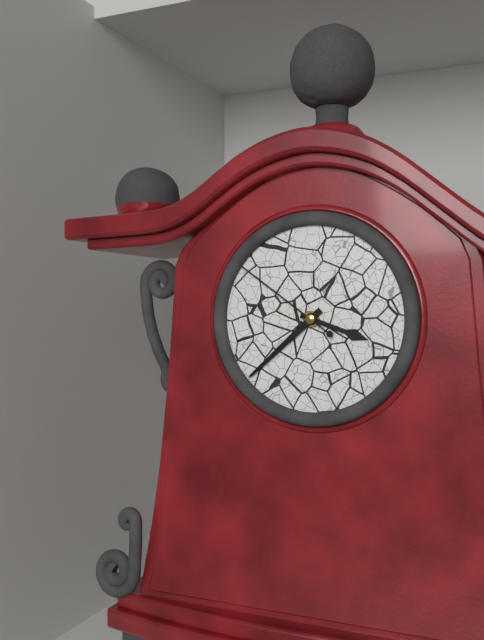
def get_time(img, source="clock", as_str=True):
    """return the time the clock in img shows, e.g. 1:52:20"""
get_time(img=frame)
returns 3:38:51
